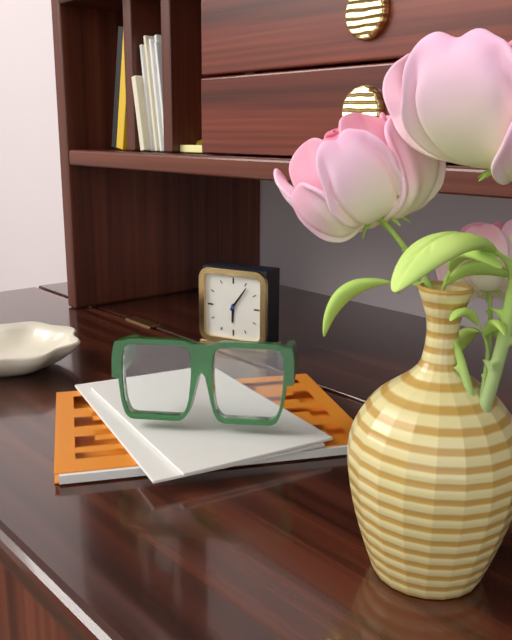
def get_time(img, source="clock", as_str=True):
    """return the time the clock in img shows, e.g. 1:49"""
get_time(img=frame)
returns 6:06
